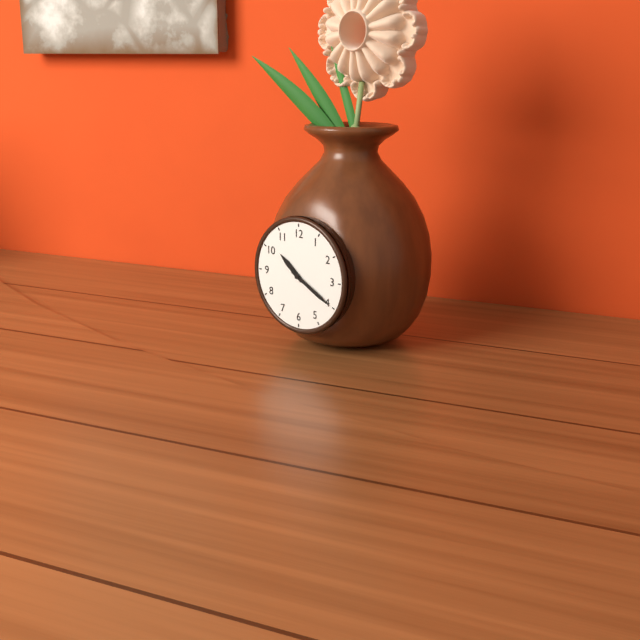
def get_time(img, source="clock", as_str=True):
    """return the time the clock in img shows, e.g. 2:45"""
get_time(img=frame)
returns 10:20
